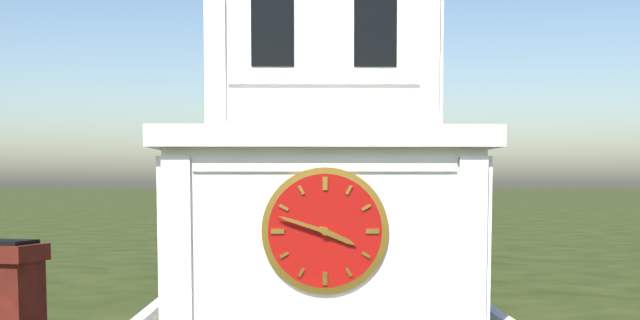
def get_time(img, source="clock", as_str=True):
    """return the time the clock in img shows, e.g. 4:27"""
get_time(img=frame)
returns 3:48
